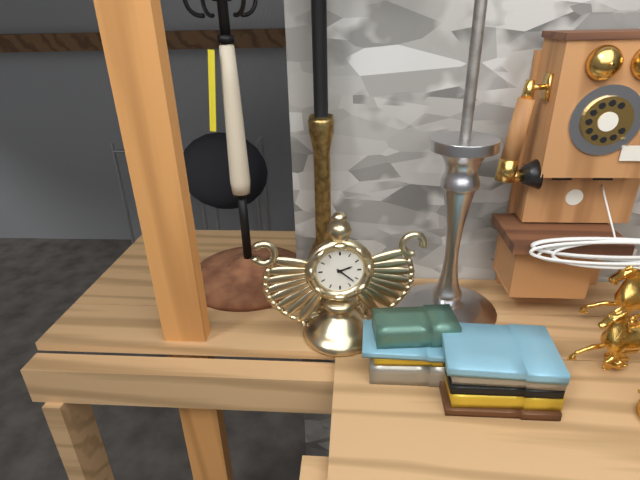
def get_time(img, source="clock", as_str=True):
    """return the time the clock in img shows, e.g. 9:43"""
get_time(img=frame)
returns 2:22
